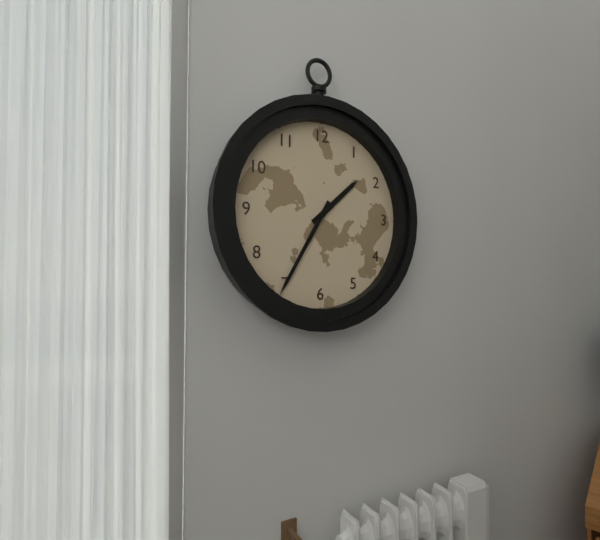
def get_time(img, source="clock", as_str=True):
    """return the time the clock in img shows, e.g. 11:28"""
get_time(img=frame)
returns 1:35
